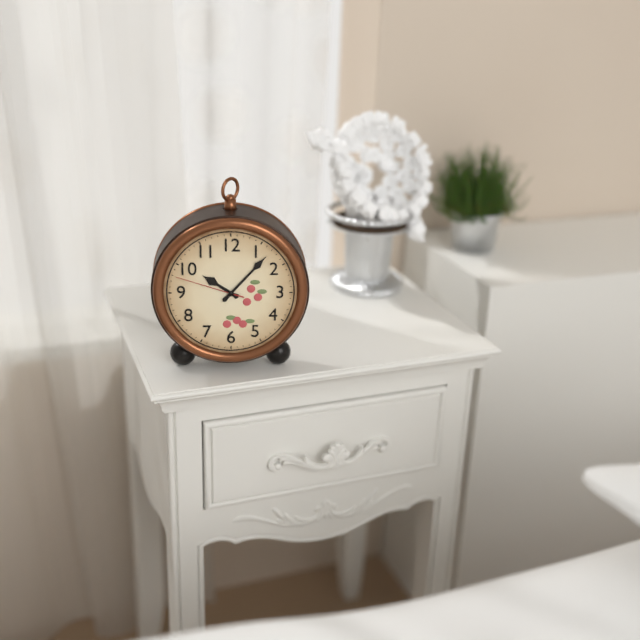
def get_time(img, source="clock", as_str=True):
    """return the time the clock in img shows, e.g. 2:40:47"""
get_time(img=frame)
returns 10:07:48
